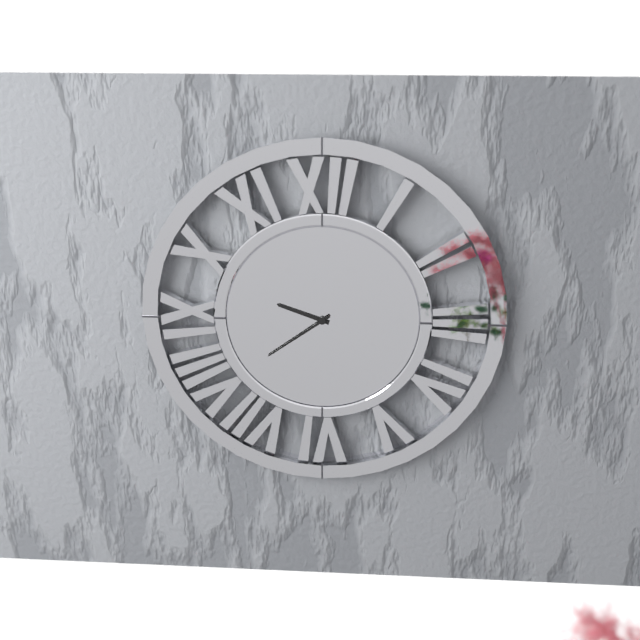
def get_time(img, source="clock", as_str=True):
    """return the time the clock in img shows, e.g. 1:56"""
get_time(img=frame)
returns 9:39
